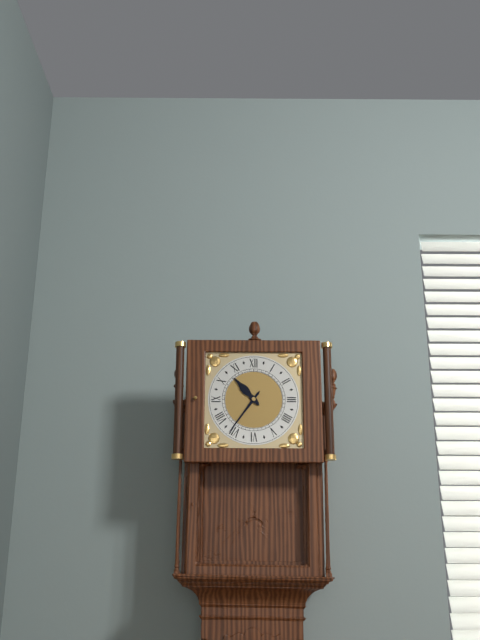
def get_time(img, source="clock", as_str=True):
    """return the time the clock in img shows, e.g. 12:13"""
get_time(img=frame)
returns 10:36
